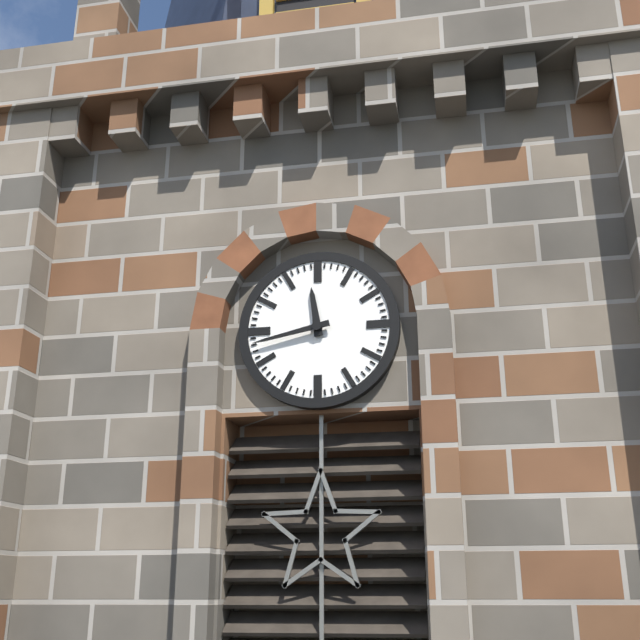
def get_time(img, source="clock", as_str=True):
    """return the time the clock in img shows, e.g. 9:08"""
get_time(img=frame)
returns 11:43
